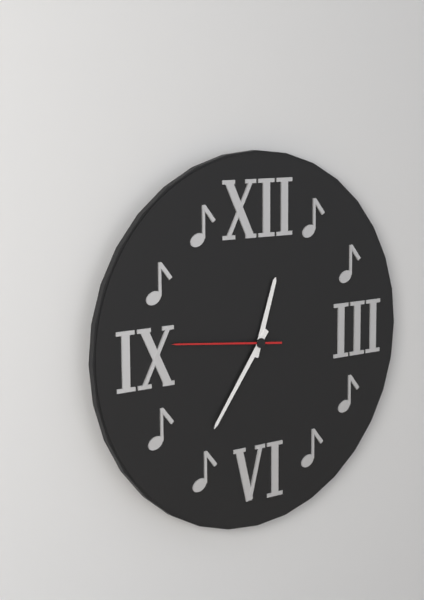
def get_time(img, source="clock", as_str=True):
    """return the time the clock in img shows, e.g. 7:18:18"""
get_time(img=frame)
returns 12:36:46
